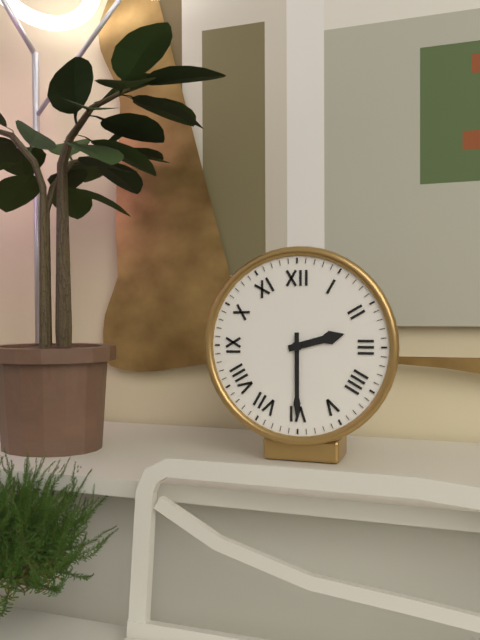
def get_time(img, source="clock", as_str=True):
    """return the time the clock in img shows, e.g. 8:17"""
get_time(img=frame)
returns 2:30
